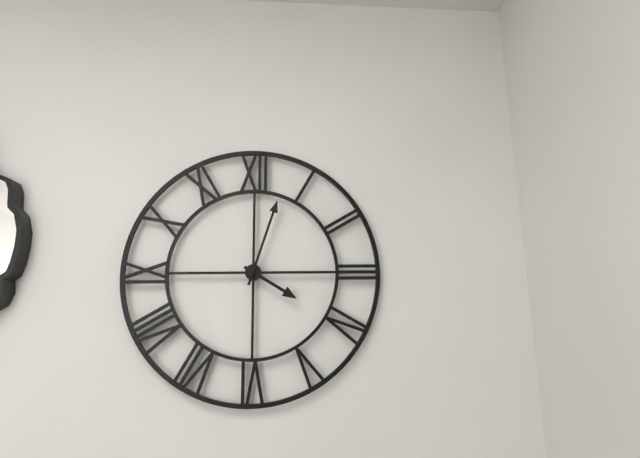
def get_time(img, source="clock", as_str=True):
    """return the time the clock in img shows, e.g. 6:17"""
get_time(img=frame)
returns 4:03
